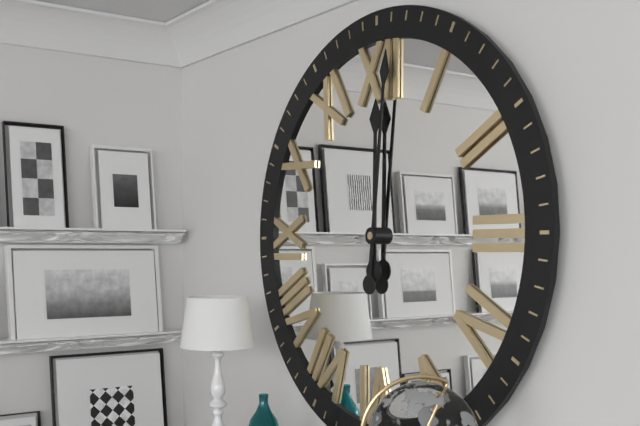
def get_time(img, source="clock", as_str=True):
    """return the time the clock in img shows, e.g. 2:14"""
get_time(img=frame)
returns 12:01
